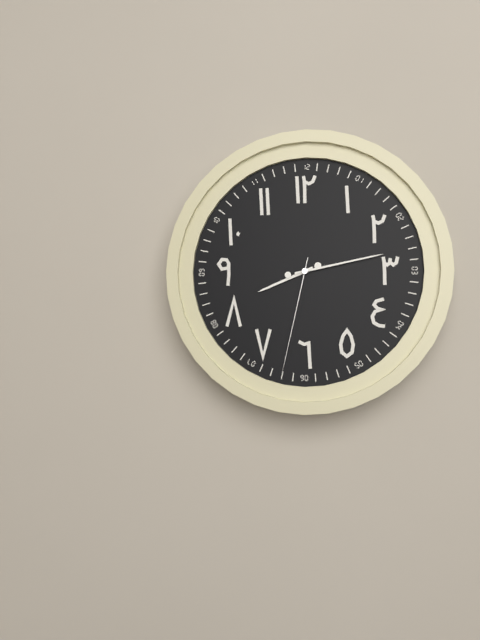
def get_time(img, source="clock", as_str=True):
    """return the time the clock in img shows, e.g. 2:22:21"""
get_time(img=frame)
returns 8:13:32
